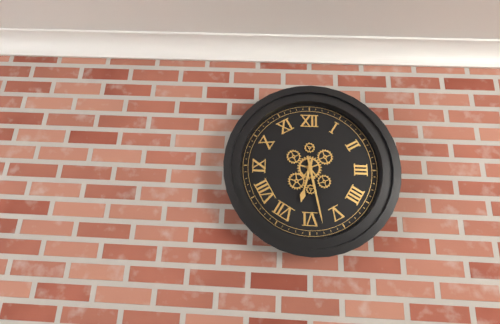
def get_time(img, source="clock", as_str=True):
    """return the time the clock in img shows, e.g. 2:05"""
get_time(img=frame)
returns 6:28
